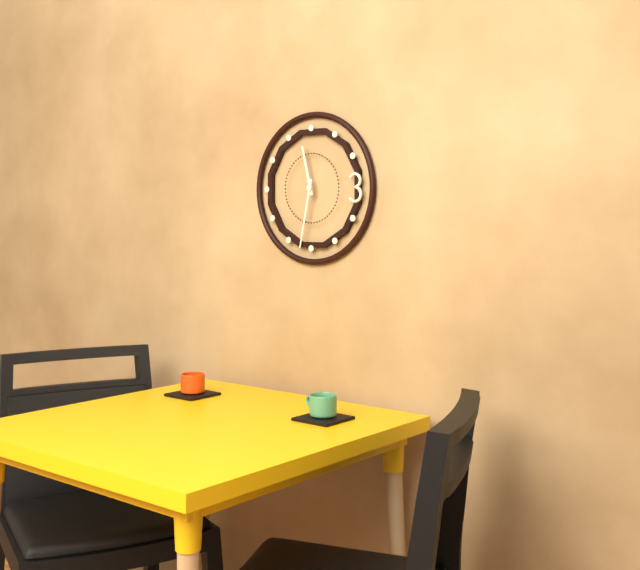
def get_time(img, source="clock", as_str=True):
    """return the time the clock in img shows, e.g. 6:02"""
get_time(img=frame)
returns 11:32
